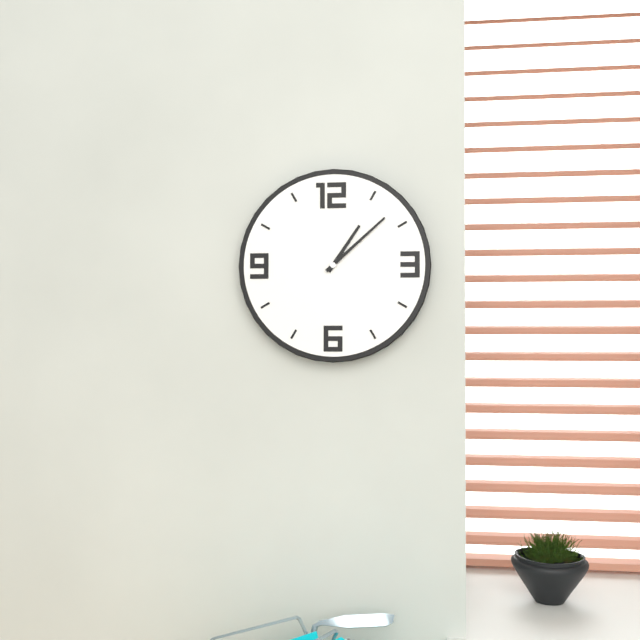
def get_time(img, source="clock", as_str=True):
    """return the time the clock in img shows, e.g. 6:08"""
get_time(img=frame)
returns 1:08
